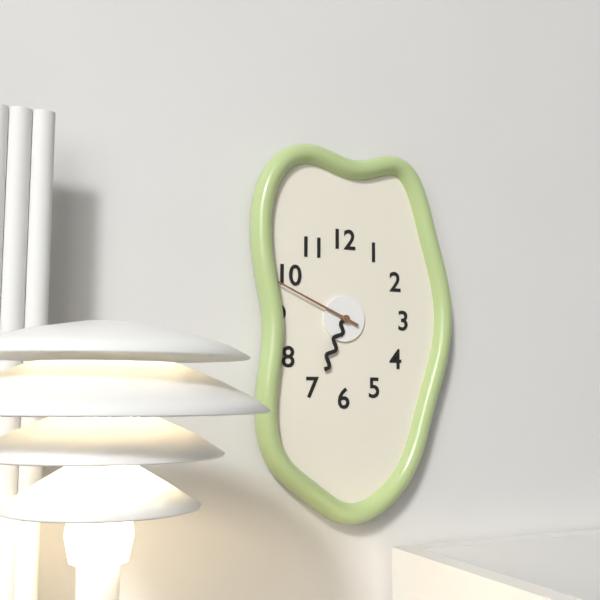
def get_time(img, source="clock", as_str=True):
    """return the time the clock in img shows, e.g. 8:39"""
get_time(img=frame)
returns 6:49
